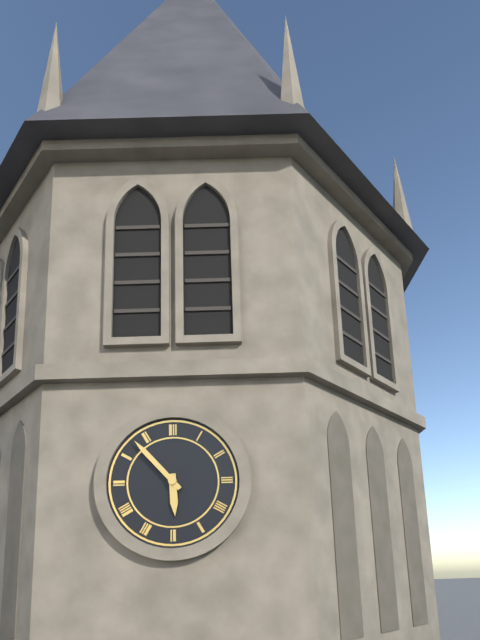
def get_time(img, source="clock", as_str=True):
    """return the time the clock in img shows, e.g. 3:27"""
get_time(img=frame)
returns 5:53
